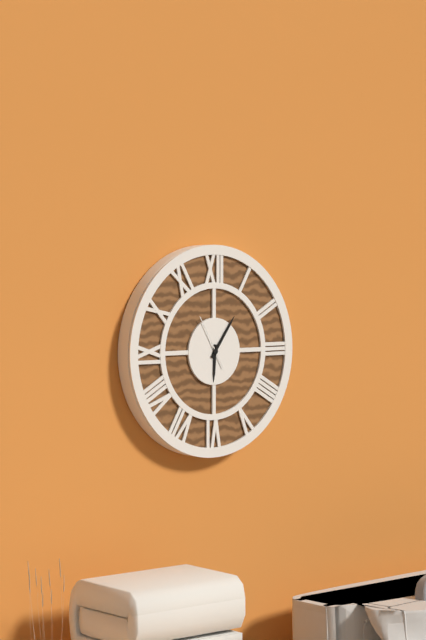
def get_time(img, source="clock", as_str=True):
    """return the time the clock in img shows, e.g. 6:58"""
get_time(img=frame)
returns 6:06
